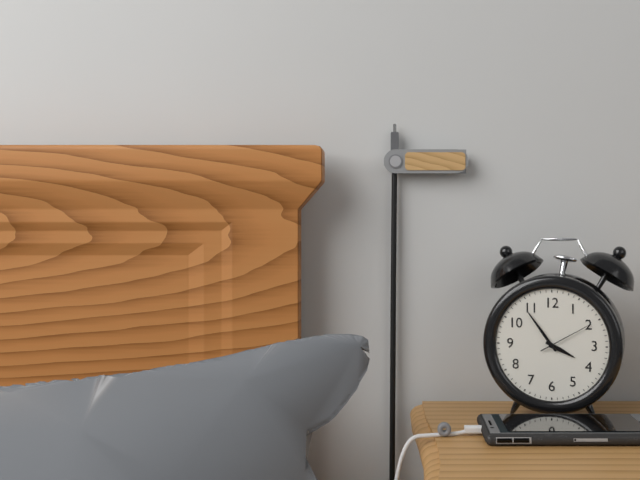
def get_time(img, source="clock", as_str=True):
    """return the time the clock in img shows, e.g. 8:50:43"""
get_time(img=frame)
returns 3:54:10
